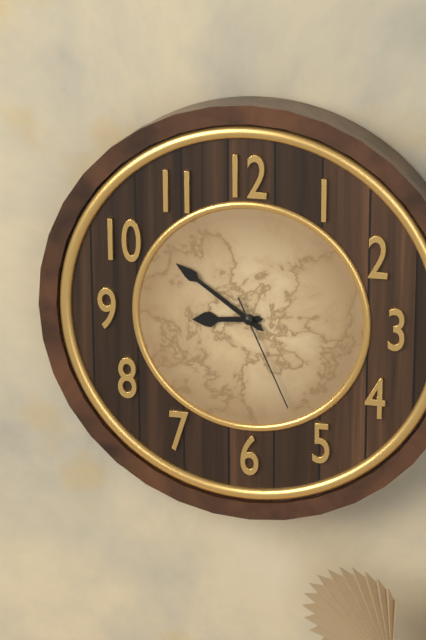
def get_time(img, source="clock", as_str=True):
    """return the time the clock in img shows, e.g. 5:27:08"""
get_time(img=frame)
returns 8:51:26
